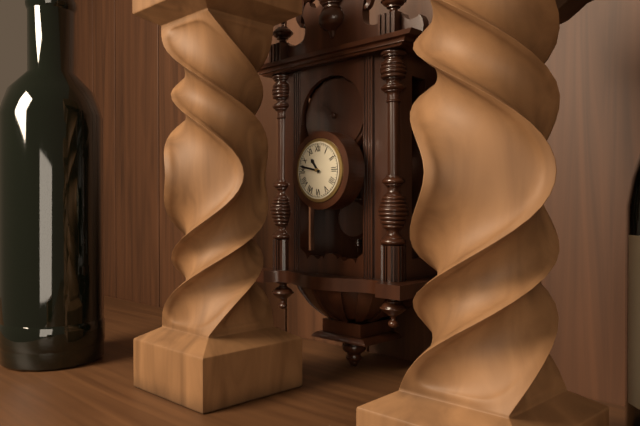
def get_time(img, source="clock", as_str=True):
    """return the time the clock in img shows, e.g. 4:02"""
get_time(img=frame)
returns 10:47
